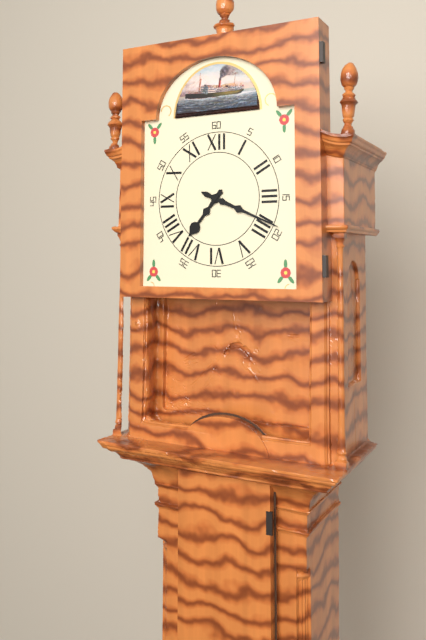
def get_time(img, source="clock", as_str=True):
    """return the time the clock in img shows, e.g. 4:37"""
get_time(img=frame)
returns 7:19
